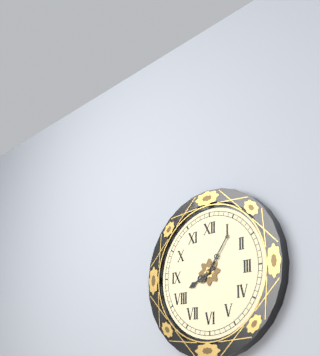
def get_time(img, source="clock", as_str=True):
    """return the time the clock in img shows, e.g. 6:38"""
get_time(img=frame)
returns 8:06
